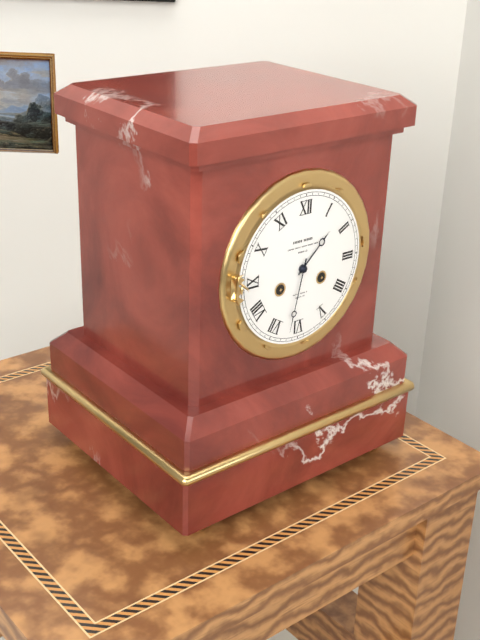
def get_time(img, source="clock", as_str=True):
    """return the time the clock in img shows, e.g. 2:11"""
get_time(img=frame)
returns 1:32
